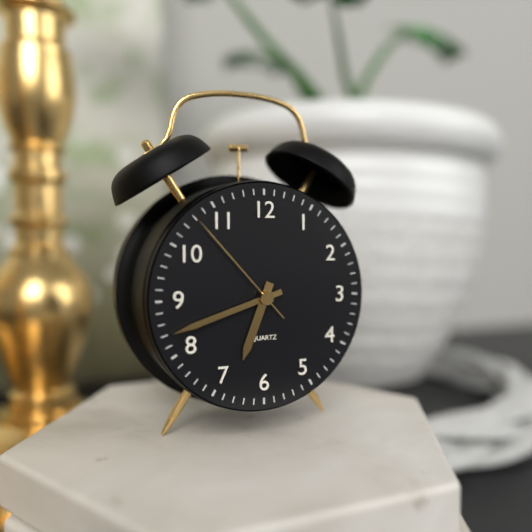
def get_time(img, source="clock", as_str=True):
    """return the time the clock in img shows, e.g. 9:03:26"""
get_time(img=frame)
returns 6:42:53
